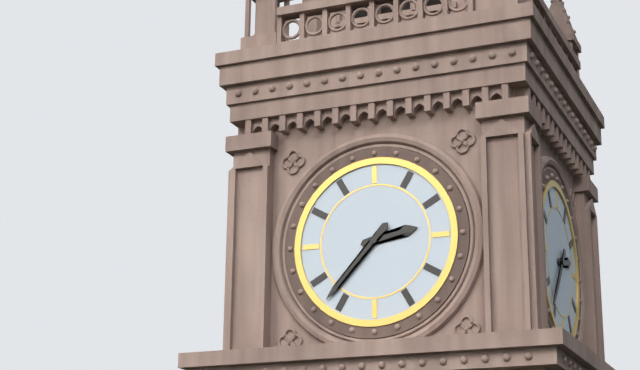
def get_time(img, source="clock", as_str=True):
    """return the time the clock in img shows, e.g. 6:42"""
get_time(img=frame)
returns 2:37
